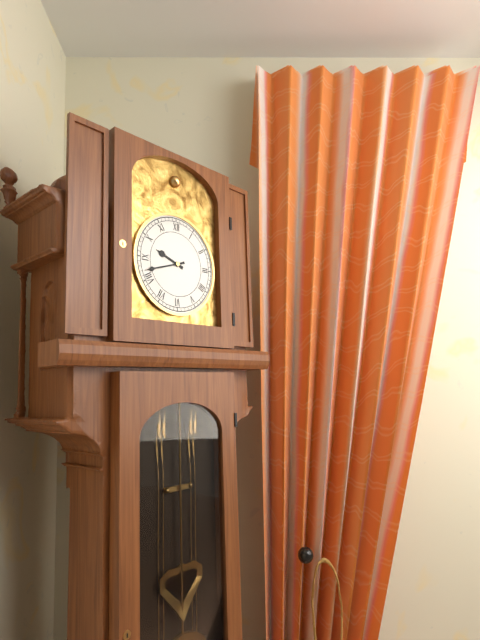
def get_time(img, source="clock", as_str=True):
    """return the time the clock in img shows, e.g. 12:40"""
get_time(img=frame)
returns 9:42
